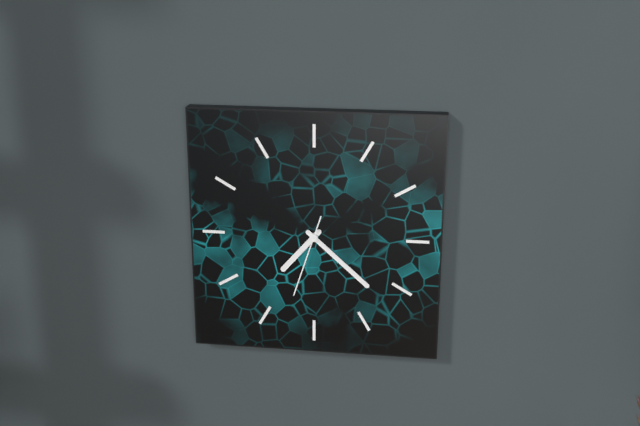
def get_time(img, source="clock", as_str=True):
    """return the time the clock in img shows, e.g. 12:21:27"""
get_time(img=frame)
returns 7:22:33
